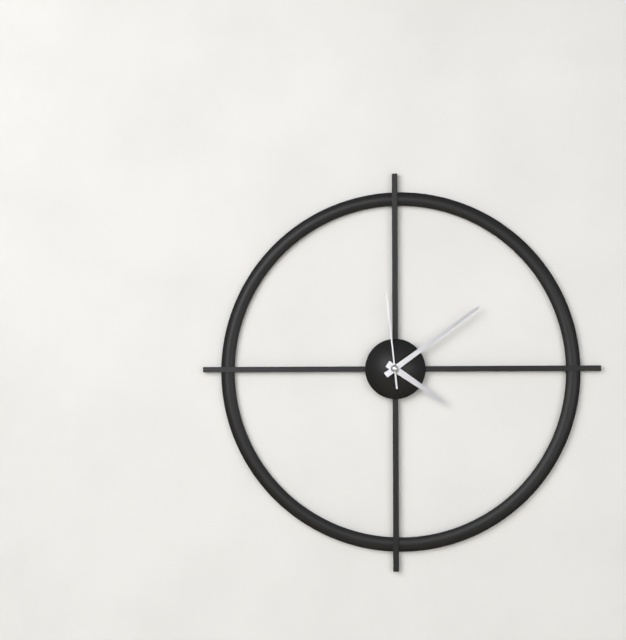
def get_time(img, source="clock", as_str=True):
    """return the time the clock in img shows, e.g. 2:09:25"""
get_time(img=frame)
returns 4:09:59
